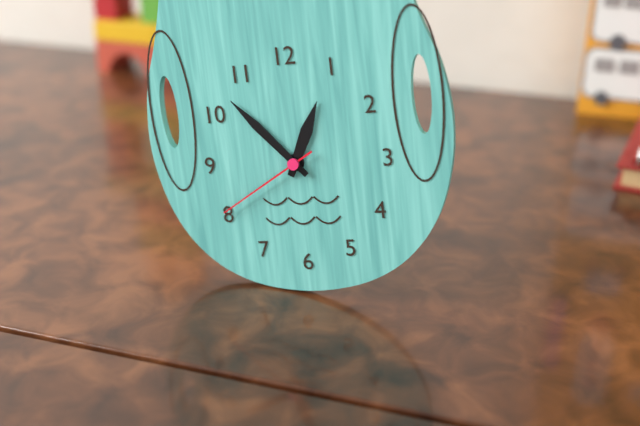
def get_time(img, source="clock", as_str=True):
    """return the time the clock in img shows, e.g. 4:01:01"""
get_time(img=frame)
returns 12:53:40
